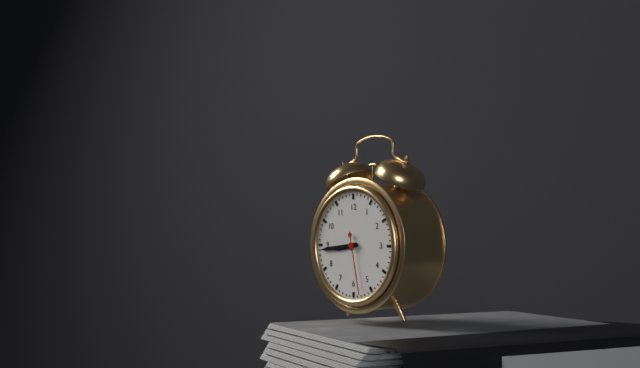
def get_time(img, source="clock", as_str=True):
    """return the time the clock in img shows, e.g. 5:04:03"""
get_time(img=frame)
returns 8:44:28
